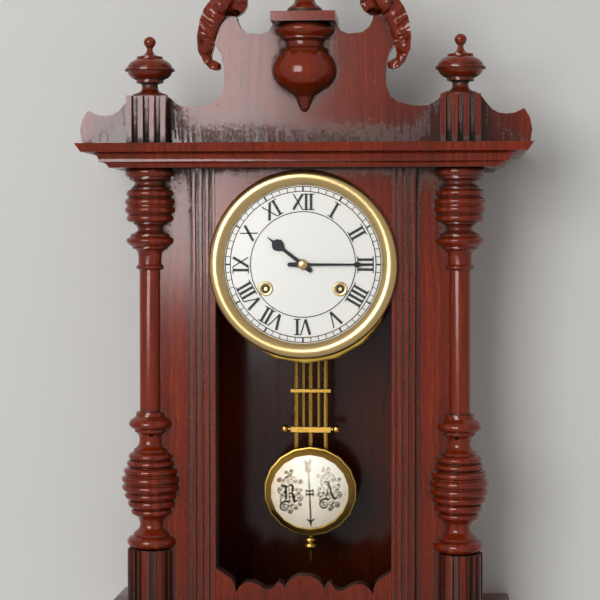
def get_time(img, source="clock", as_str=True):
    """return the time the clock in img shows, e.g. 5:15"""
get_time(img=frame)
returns 10:15
